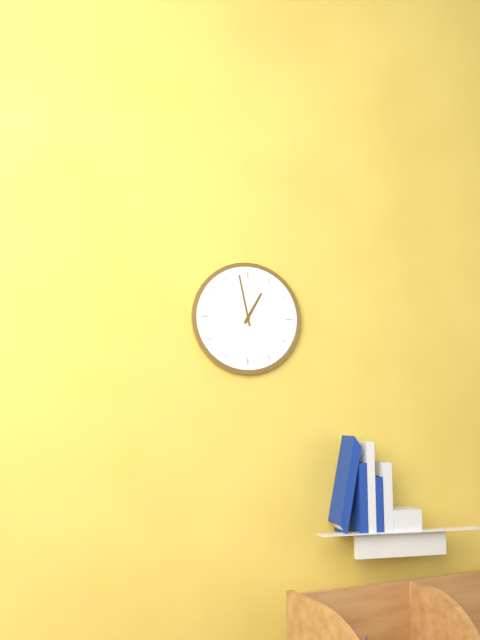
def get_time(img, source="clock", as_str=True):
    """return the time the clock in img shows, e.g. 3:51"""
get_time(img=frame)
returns 12:58
